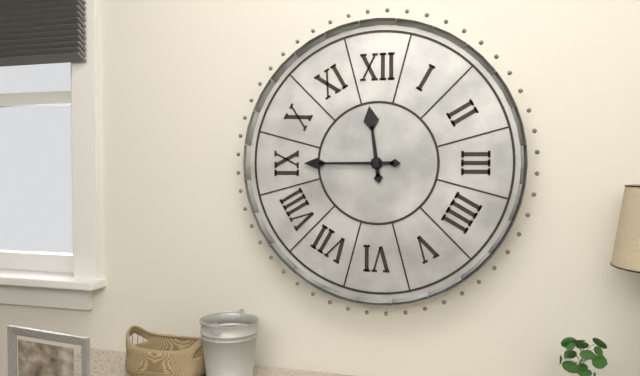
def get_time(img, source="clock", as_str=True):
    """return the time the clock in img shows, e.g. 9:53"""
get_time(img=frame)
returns 11:45
